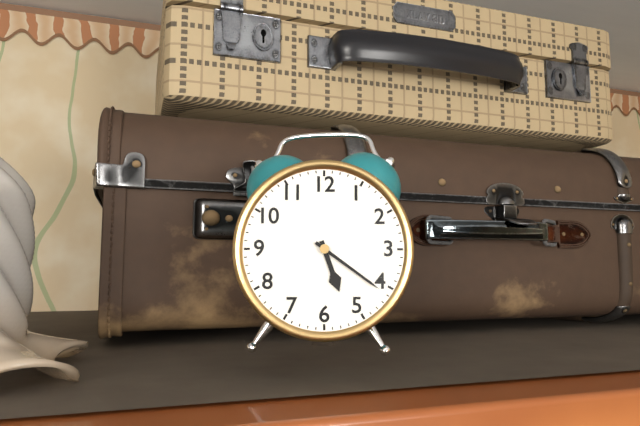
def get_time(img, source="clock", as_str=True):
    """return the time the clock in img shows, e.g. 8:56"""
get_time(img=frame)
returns 5:21
